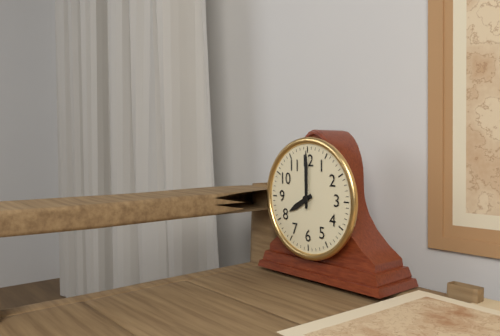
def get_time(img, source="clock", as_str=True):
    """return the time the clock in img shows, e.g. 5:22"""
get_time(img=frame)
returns 8:00
